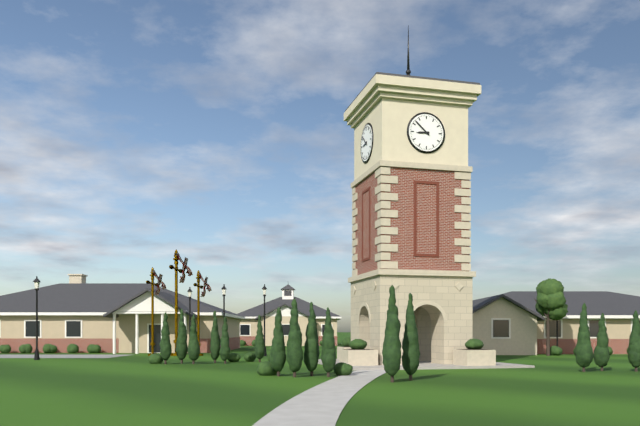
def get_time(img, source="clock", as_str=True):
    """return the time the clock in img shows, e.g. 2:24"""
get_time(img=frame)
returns 8:52
